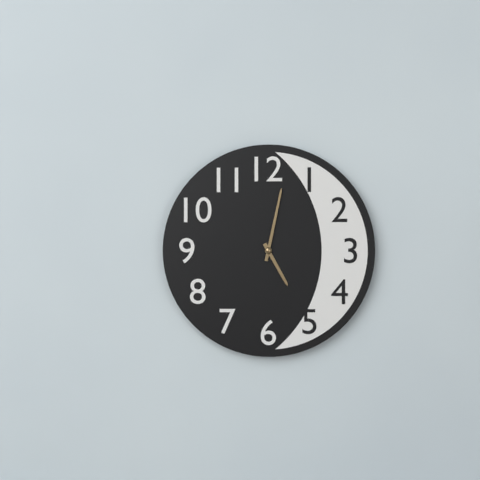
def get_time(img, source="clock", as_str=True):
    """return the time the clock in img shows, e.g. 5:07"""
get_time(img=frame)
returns 5:02
